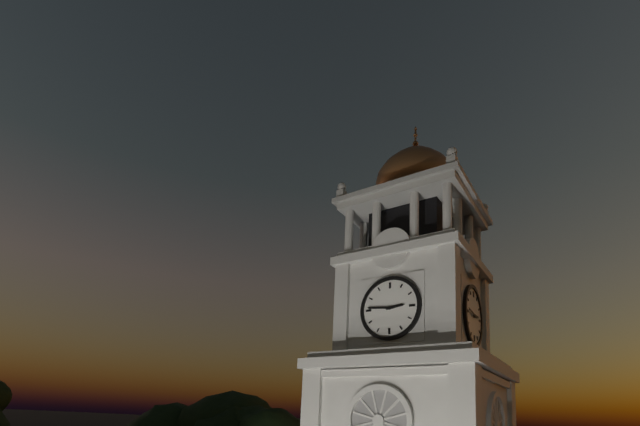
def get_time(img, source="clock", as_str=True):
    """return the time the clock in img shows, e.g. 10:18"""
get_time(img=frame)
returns 2:46
